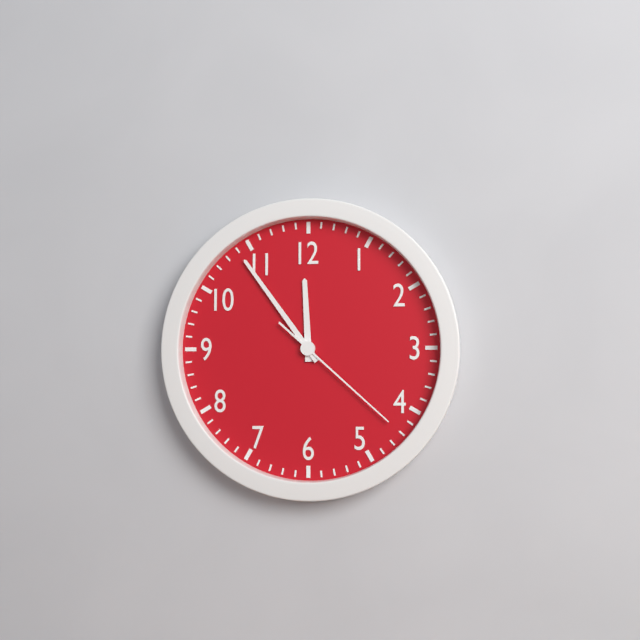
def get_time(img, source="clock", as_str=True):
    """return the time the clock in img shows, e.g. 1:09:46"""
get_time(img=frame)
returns 11:54:22
